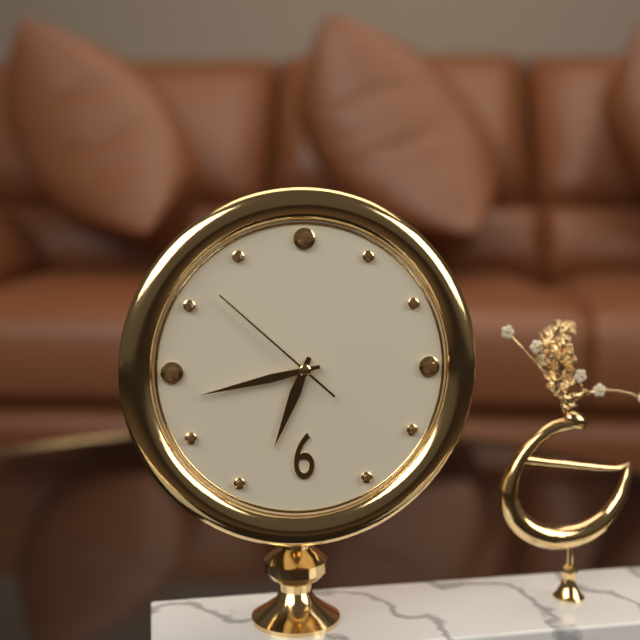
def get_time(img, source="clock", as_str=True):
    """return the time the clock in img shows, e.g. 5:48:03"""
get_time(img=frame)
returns 6:43:52
